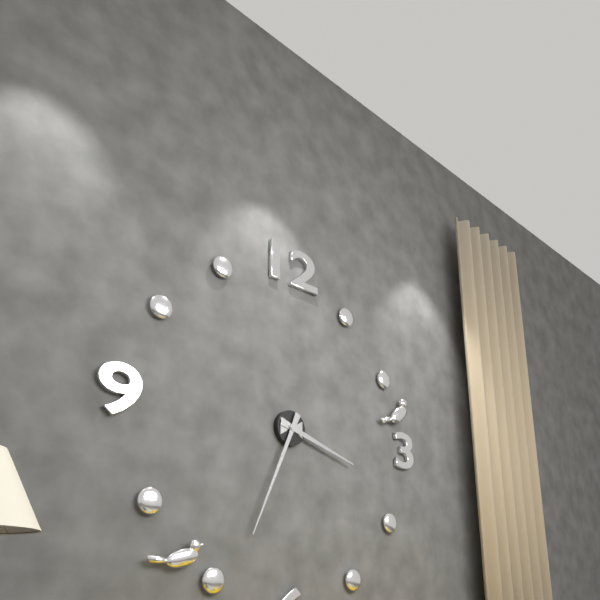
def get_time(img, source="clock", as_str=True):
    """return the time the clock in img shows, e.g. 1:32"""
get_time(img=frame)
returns 3:34
